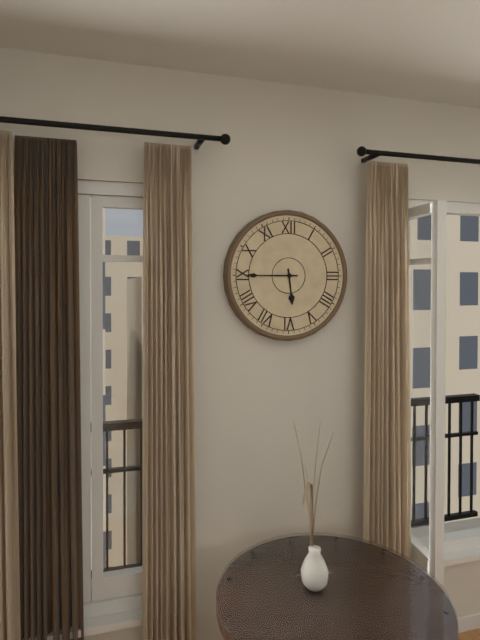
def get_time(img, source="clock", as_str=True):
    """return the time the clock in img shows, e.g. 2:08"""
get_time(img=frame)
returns 5:45
